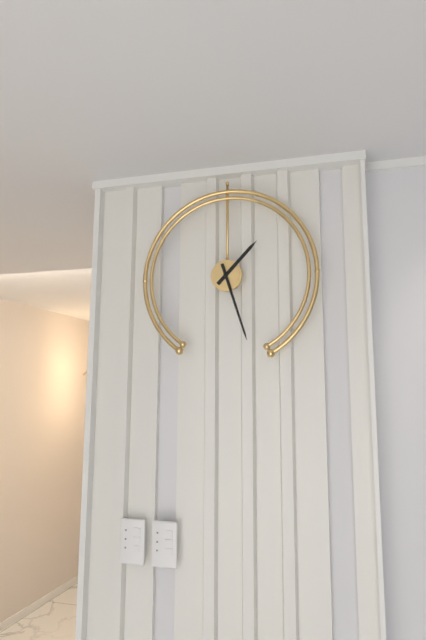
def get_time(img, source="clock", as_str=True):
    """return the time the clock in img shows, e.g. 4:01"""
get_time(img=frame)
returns 1:27
